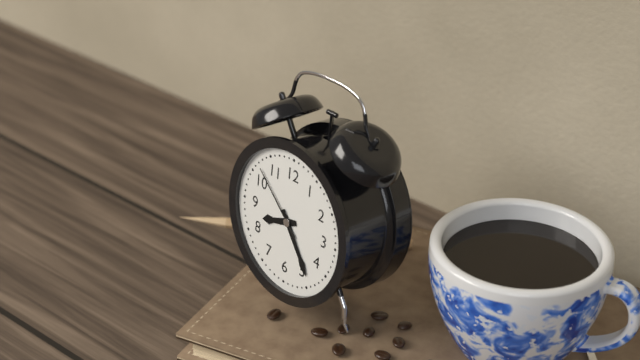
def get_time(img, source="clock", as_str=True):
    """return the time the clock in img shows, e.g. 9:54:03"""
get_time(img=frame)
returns 8:24:52
